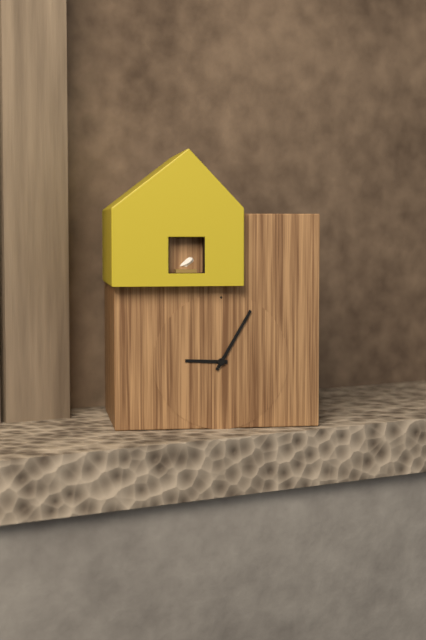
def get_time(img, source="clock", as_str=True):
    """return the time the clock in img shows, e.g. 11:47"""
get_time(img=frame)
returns 9:05
